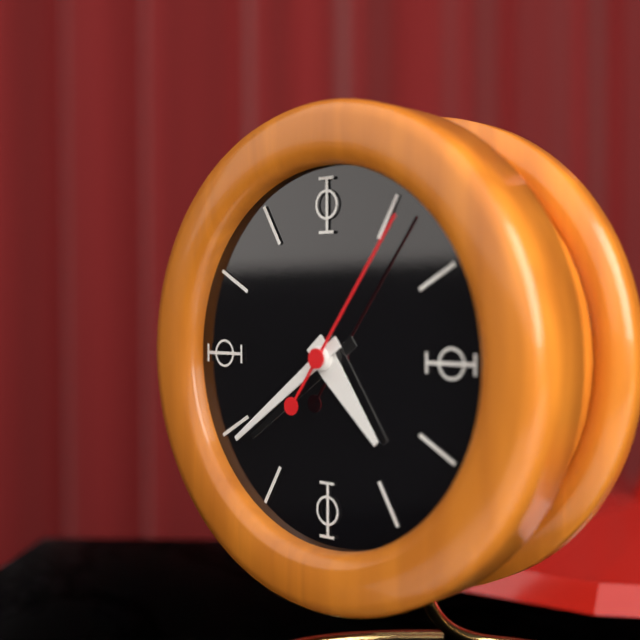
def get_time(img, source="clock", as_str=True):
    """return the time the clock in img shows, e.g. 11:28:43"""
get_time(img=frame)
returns 4:39:06
